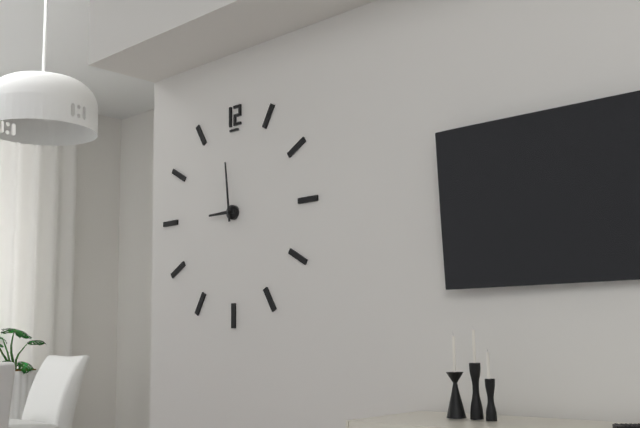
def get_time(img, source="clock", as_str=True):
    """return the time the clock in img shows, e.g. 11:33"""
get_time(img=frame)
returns 8:59
